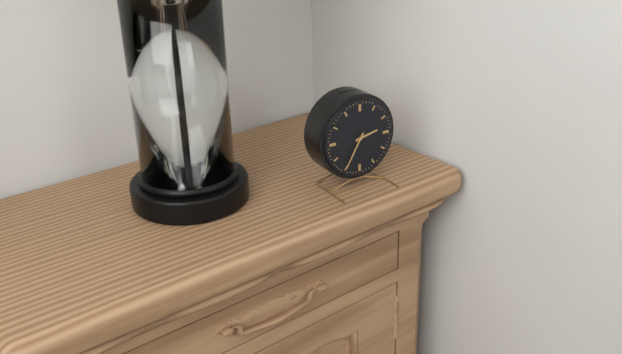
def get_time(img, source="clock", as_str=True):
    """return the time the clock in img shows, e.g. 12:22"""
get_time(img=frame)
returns 2:35
